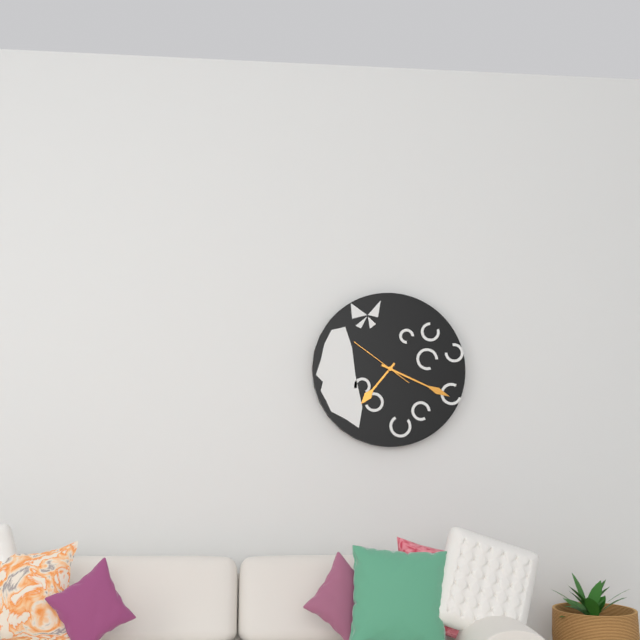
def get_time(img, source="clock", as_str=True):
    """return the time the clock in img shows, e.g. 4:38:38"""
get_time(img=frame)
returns 7:19:51
